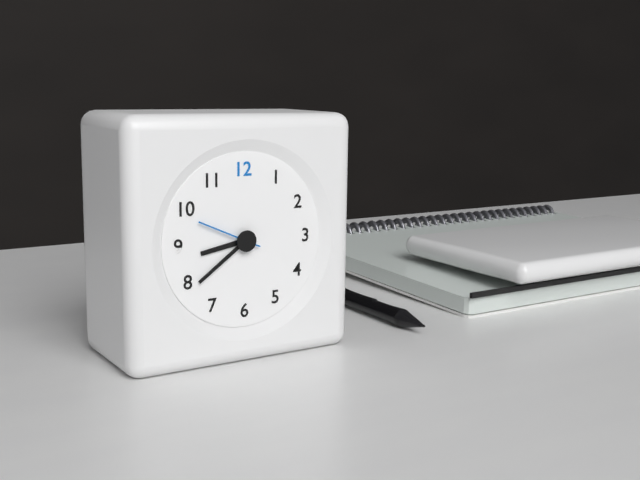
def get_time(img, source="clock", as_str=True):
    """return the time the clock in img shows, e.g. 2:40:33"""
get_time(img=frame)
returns 8:39:49
